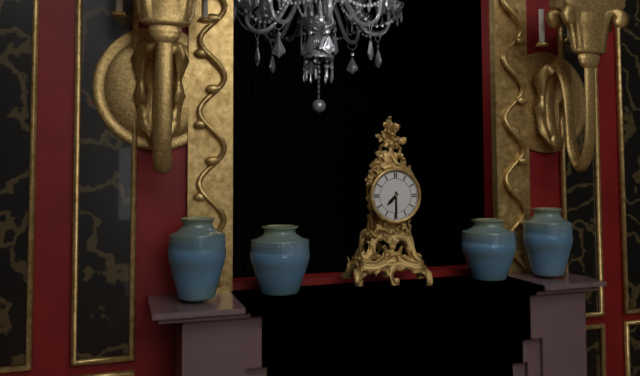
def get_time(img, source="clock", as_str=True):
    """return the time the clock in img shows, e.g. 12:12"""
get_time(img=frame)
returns 7:30
